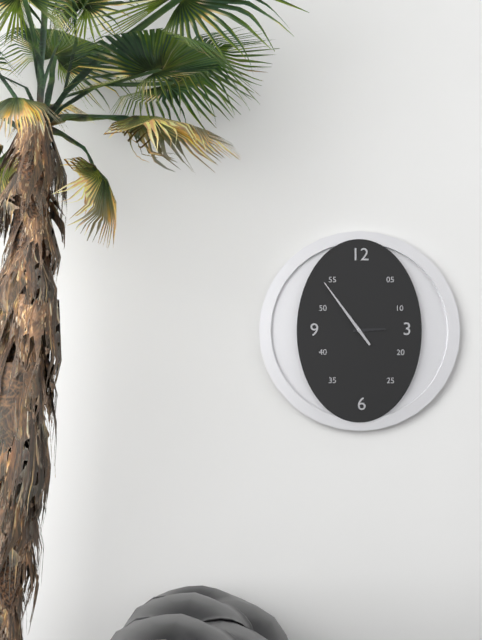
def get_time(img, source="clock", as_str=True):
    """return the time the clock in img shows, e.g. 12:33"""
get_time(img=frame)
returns 2:54
